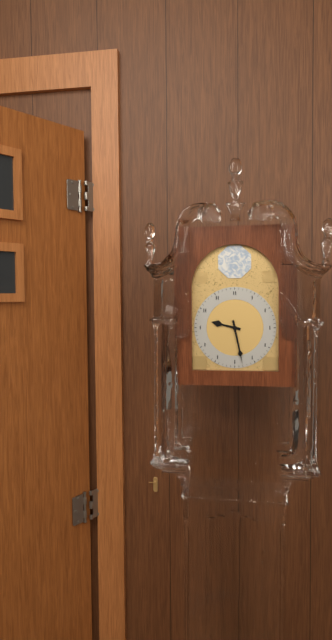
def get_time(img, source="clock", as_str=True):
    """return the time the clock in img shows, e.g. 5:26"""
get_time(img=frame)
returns 9:28
